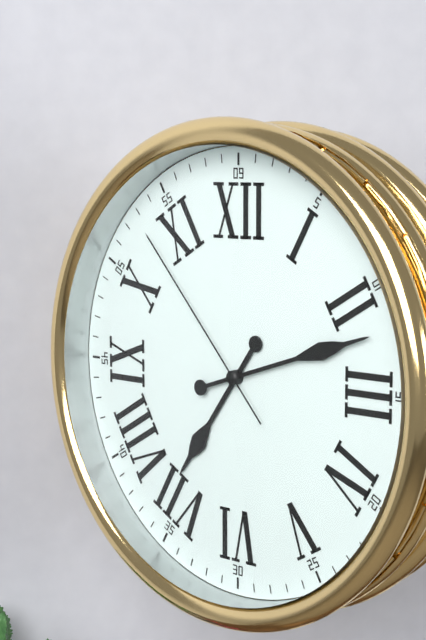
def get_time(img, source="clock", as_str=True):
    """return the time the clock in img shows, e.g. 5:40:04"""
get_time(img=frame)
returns 7:12:53
